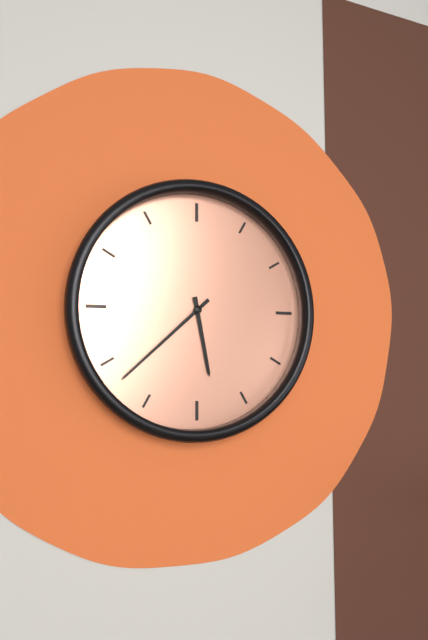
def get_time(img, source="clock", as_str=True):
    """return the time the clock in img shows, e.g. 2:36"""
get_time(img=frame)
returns 5:38
